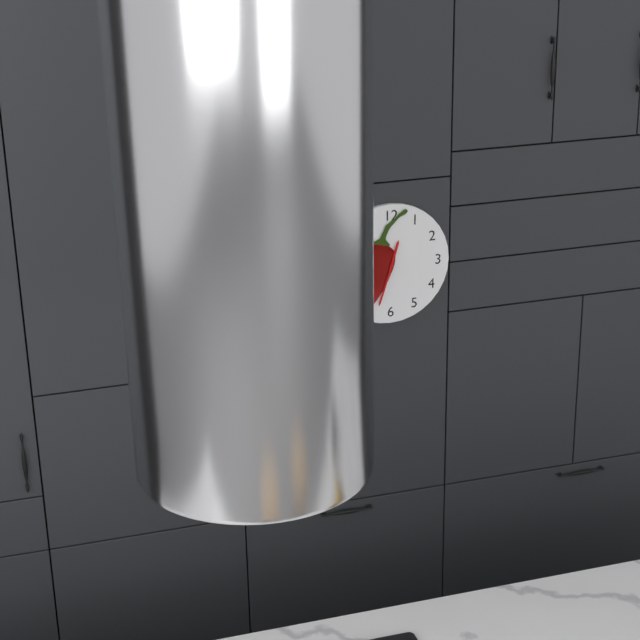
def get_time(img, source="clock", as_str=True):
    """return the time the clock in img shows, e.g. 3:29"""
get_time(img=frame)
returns 12:33
